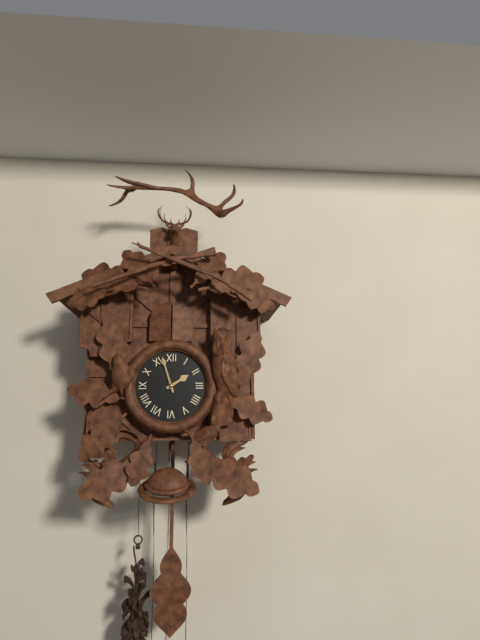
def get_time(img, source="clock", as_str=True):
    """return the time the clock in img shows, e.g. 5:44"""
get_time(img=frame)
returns 1:57
